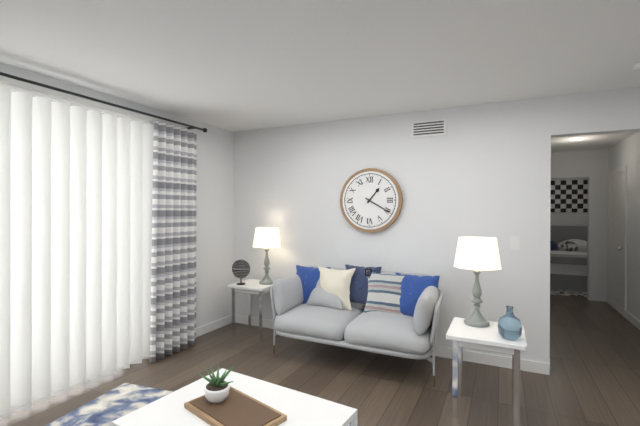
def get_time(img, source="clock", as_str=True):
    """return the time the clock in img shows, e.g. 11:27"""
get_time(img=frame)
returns 1:20
